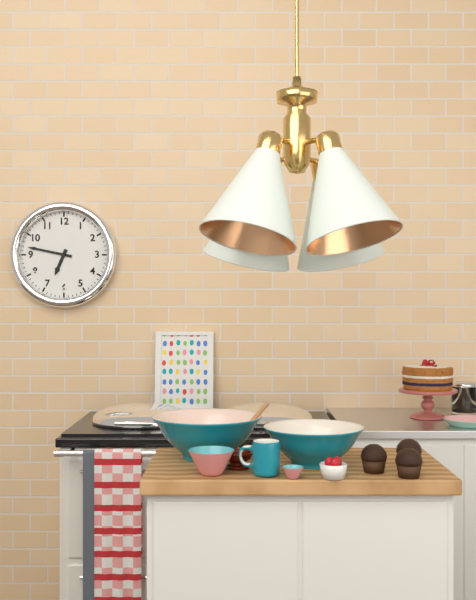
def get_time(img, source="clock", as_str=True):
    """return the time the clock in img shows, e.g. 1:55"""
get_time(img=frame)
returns 6:47
